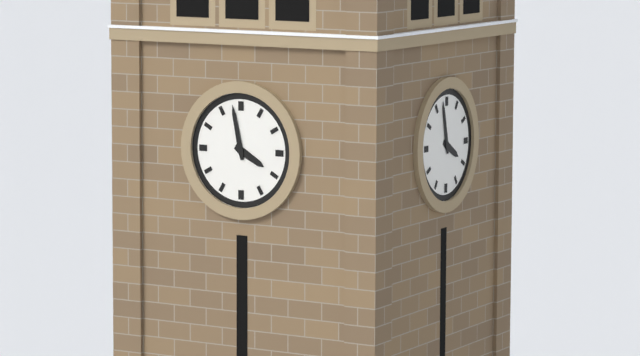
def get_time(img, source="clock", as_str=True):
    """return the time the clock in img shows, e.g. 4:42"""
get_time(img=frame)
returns 3:58
